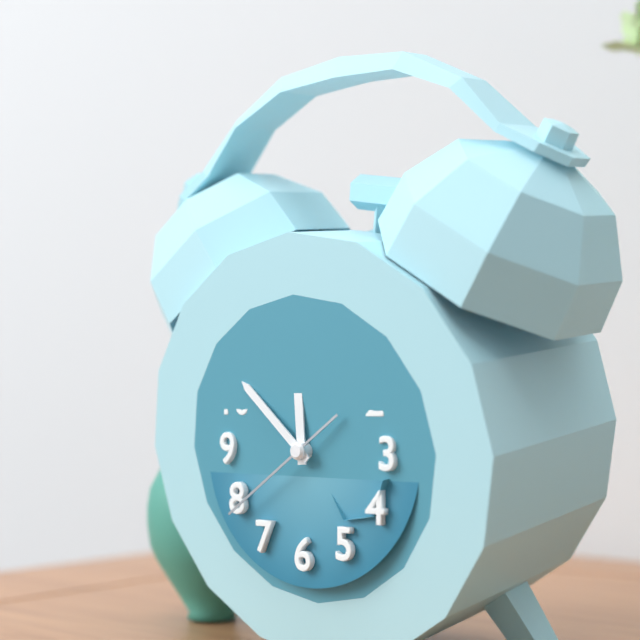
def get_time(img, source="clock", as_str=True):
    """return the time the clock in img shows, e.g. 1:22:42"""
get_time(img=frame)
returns 11:52:39
